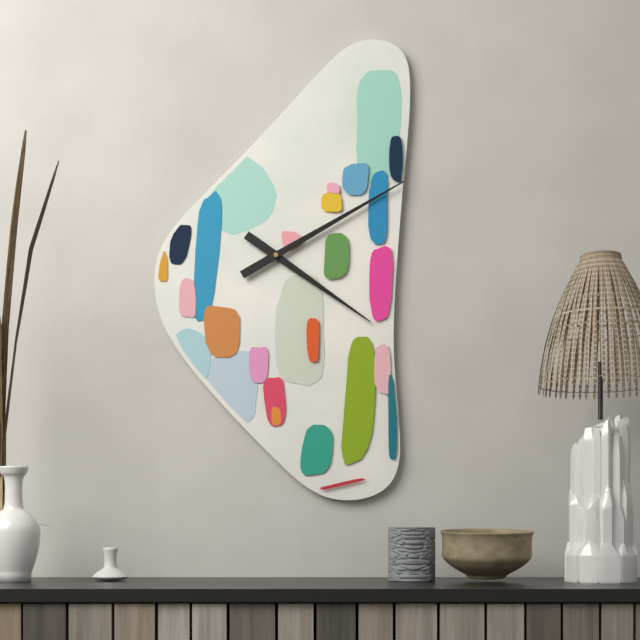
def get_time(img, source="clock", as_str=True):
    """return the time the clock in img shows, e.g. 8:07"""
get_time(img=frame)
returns 4:10
